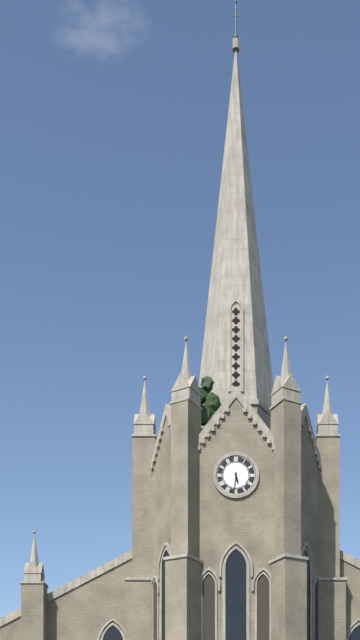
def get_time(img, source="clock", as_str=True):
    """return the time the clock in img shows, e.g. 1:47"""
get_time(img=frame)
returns 5:31
